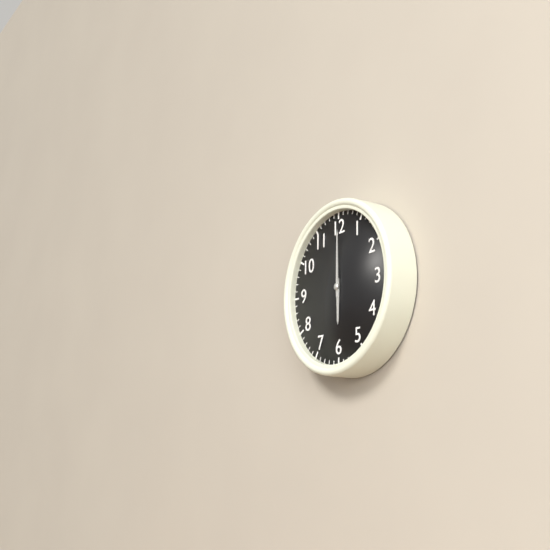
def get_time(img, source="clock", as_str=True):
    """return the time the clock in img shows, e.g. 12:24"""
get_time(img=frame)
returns 6:00
